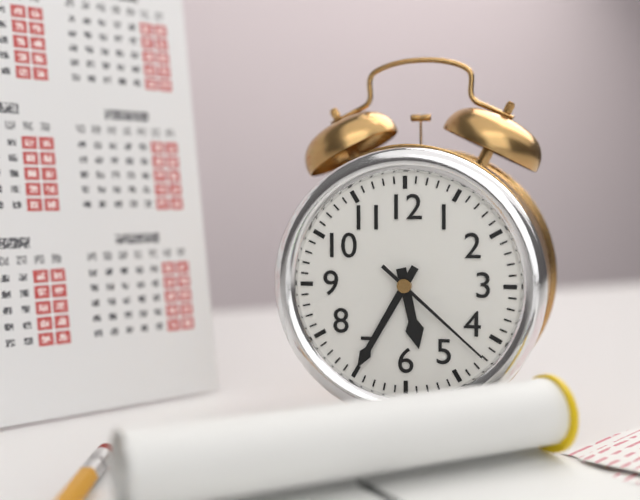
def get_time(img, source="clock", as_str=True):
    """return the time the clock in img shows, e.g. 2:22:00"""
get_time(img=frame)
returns 5:35:22
